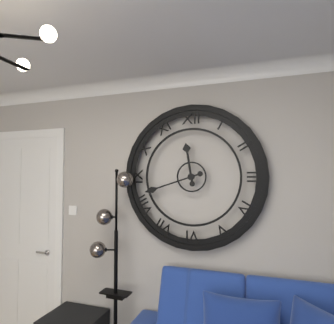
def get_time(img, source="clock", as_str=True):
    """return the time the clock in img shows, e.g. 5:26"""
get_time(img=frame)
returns 11:42
